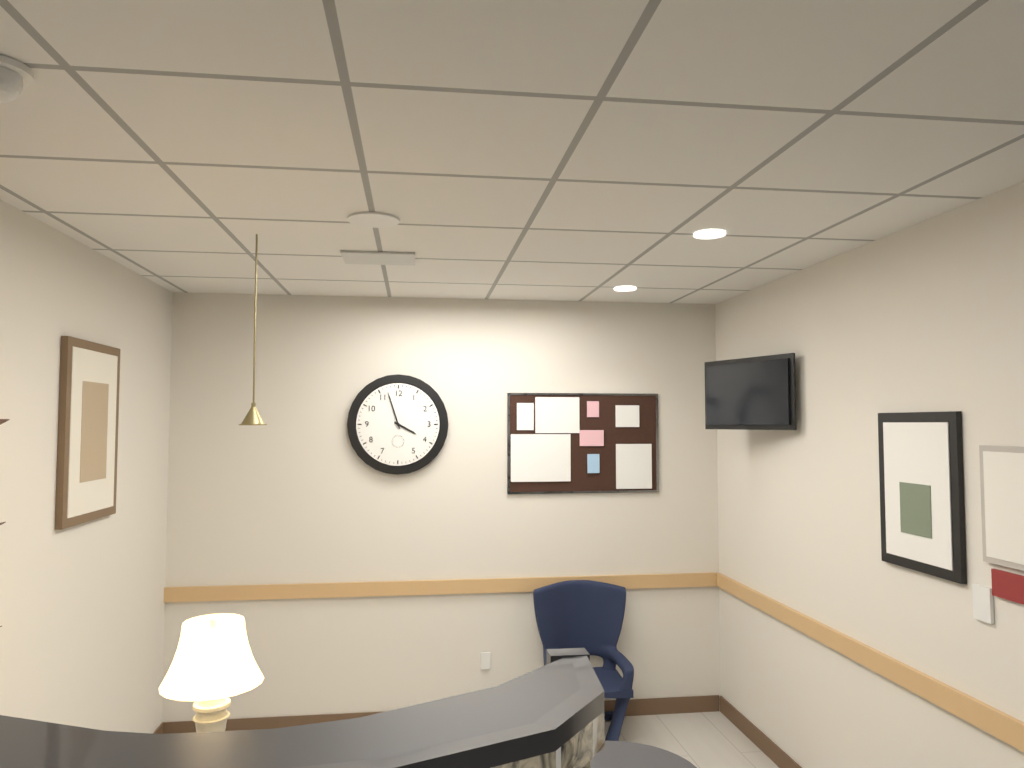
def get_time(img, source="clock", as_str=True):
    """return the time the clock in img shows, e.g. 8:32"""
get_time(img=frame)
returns 3:57
